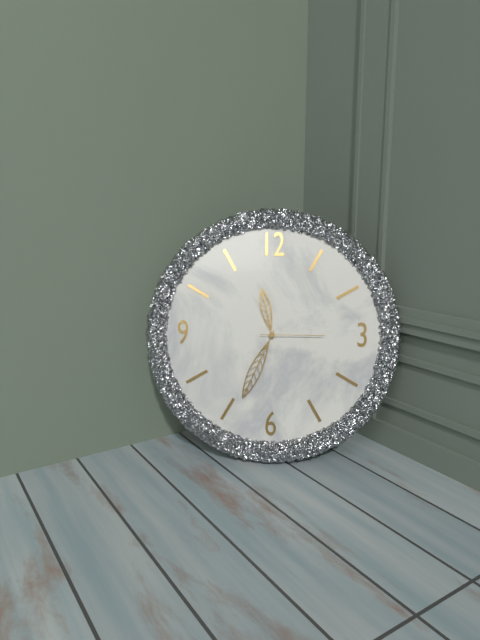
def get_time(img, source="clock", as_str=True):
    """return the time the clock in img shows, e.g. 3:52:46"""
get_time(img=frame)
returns 11:34:15
